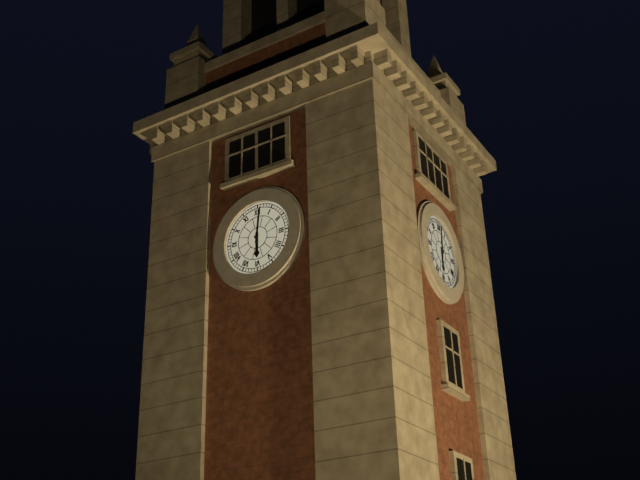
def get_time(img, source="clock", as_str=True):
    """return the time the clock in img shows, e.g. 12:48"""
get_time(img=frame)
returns 6:01
